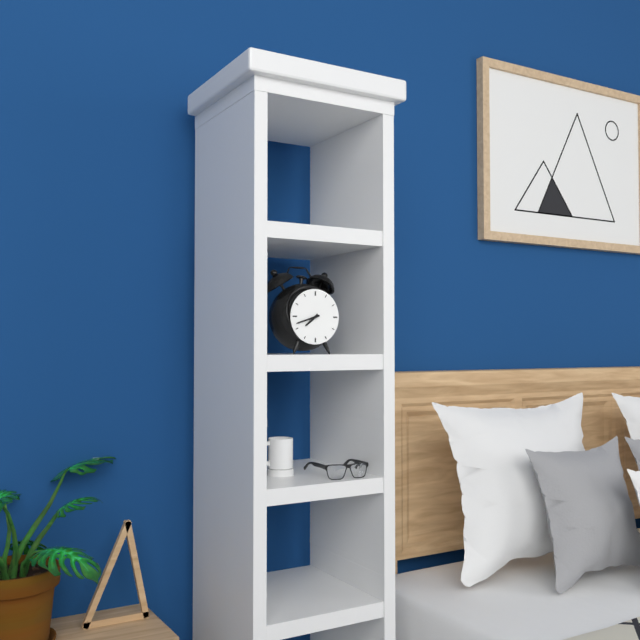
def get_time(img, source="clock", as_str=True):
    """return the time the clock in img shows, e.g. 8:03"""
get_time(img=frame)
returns 7:42
